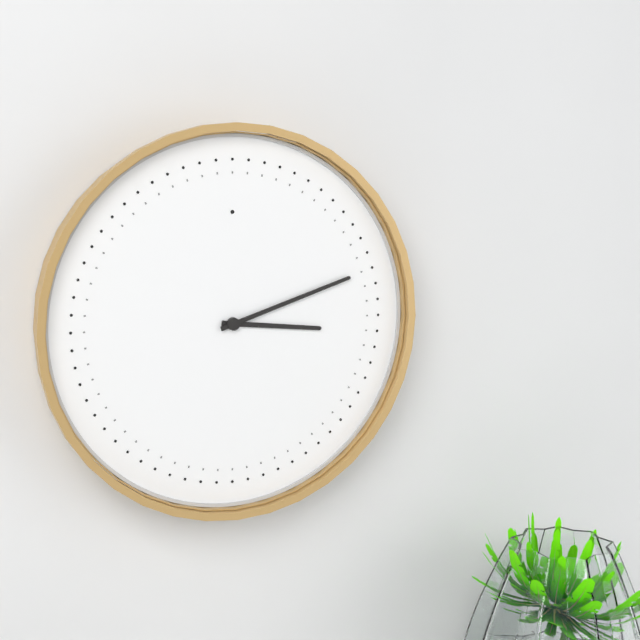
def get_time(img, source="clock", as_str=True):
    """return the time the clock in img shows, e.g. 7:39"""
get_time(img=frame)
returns 3:12
